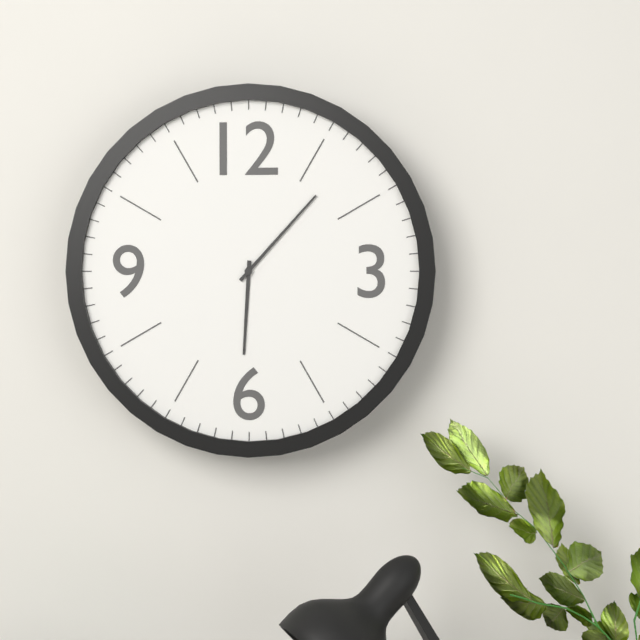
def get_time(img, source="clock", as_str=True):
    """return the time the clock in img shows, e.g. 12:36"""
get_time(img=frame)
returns 6:07
